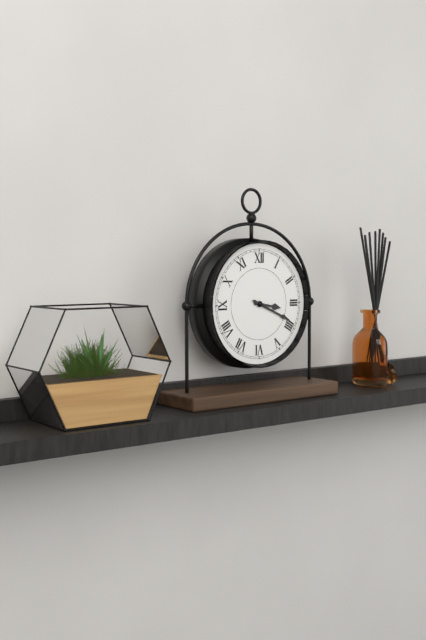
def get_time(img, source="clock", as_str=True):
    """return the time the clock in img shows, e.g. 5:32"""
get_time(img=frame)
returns 3:19
